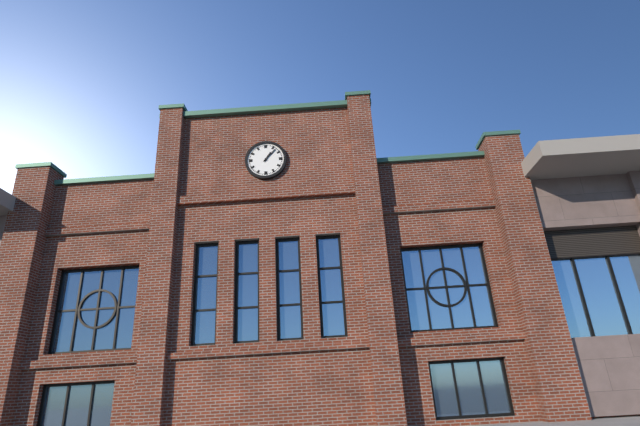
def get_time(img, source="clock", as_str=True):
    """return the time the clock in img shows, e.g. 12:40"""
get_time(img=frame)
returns 1:07
